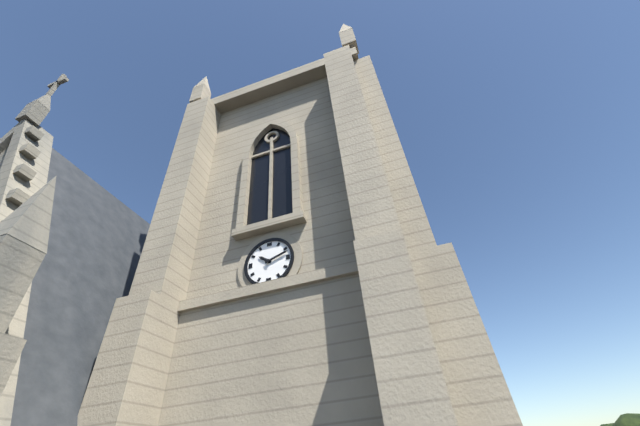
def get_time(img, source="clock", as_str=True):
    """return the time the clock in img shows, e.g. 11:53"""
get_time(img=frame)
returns 10:12
